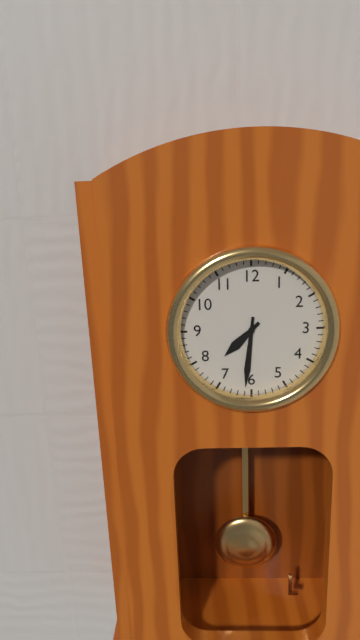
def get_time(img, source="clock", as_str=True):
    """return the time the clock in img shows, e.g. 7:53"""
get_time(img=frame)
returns 7:31
